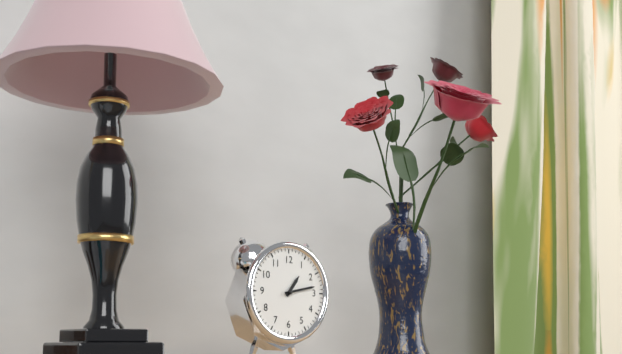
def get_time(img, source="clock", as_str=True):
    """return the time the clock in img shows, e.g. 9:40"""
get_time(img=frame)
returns 1:13
